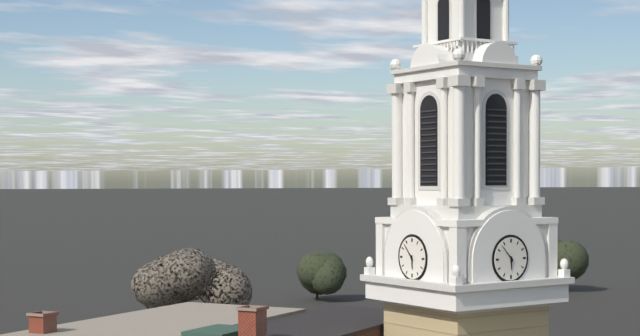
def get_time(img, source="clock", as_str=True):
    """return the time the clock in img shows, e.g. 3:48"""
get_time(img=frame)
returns 5:53
